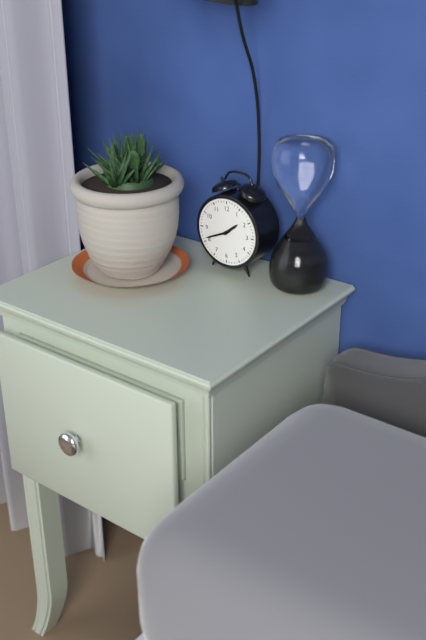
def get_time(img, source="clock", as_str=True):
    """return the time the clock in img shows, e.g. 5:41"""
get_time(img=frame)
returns 1:41
